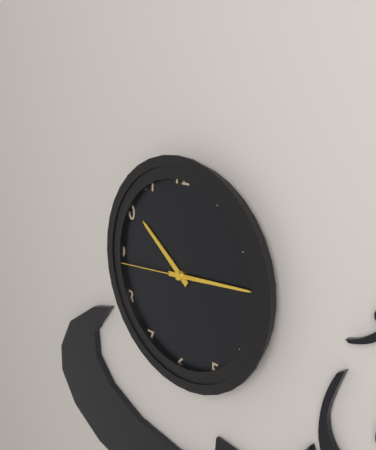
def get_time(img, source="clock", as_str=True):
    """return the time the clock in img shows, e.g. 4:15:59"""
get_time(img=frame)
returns 10:14:44
